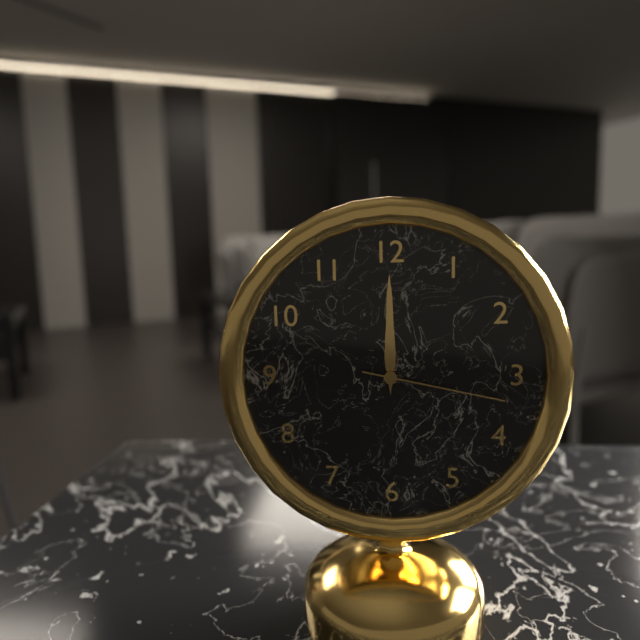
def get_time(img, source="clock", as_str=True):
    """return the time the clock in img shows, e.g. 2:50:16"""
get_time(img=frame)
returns 12:00:17
